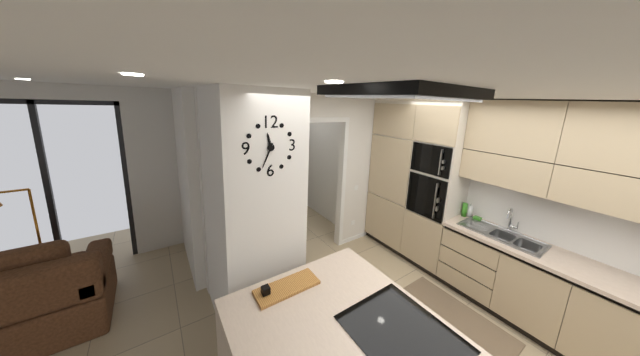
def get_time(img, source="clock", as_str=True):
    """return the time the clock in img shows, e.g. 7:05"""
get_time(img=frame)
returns 11:34
